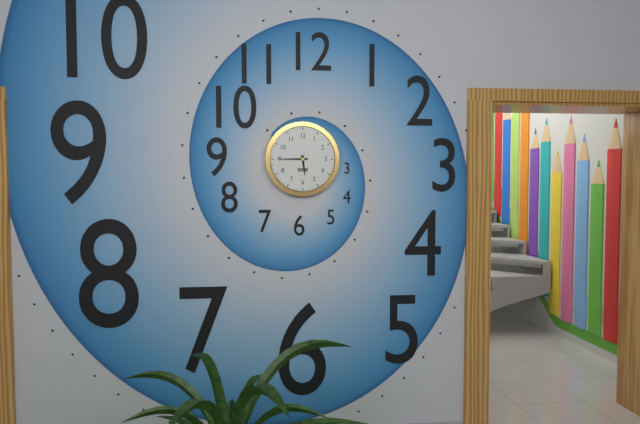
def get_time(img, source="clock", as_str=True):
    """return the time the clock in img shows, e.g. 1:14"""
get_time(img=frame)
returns 5:45
